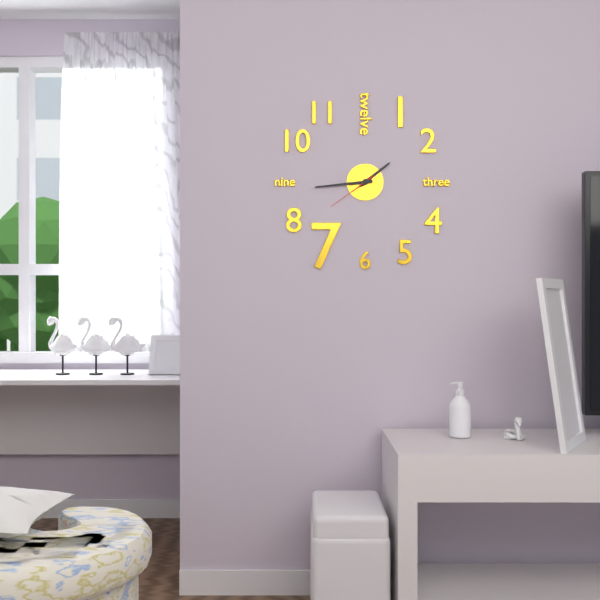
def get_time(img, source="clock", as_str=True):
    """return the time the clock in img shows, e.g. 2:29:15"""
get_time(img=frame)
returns 1:44:39
